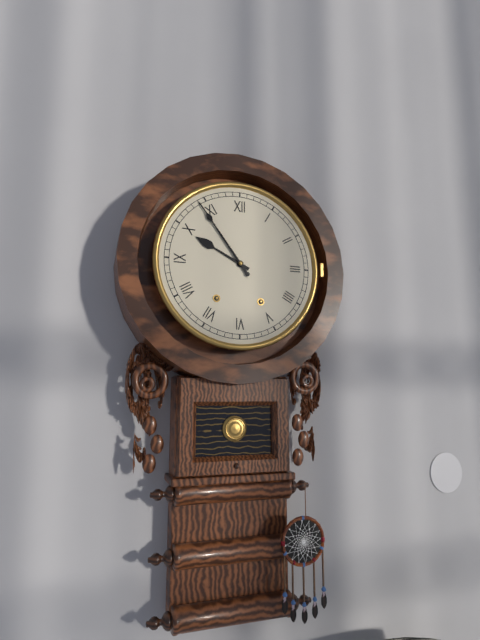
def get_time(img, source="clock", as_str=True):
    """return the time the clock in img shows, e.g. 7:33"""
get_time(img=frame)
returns 9:54
